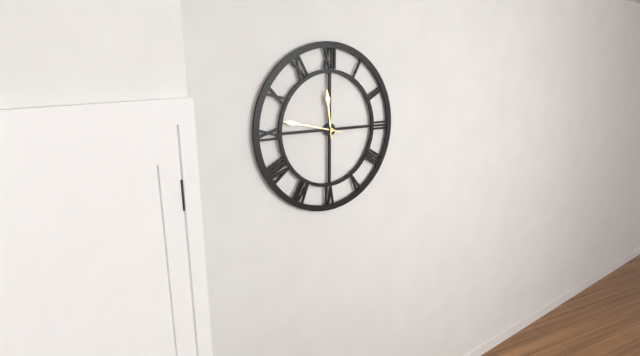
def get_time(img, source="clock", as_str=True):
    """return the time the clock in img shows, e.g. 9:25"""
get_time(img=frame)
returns 11:47
